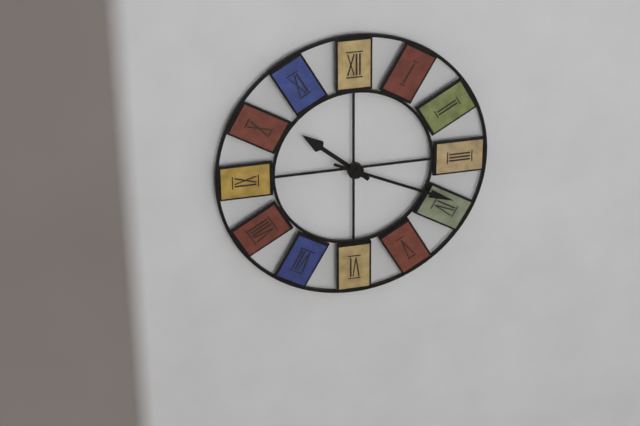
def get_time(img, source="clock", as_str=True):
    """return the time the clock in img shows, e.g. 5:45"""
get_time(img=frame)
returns 10:19
